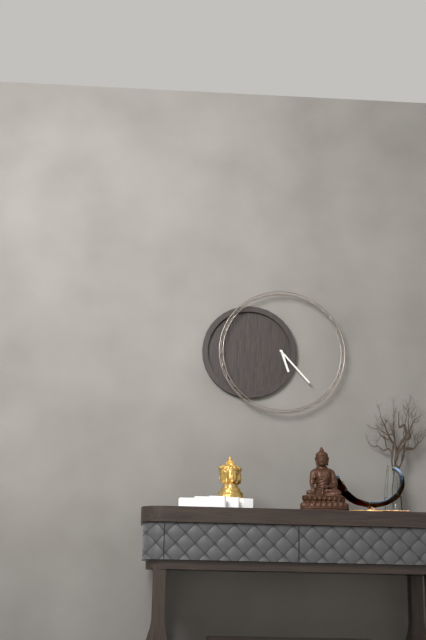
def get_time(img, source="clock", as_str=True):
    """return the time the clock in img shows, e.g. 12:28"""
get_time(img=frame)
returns 5:23
